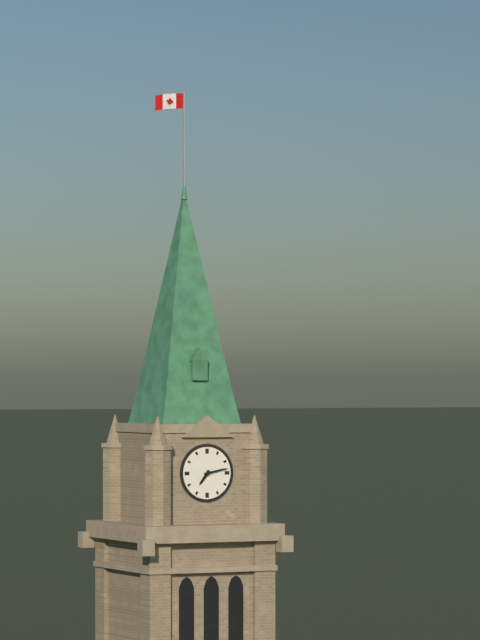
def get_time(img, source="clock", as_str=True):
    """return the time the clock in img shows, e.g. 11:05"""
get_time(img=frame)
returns 7:13
